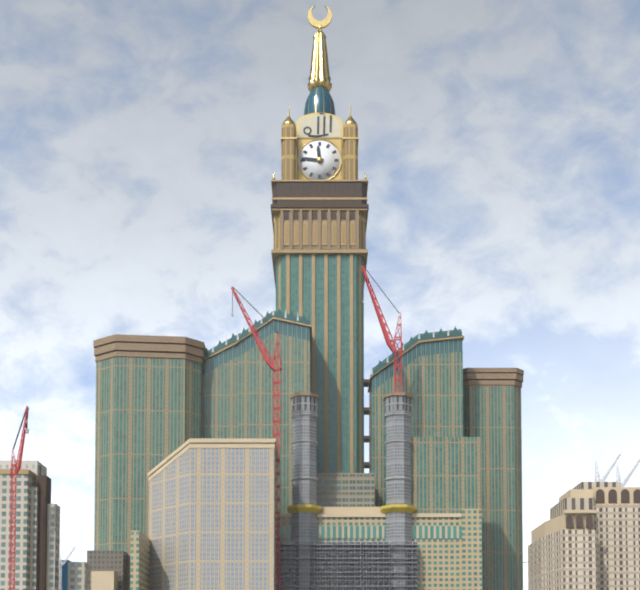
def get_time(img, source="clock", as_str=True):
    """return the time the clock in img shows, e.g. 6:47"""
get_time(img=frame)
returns 11:46
